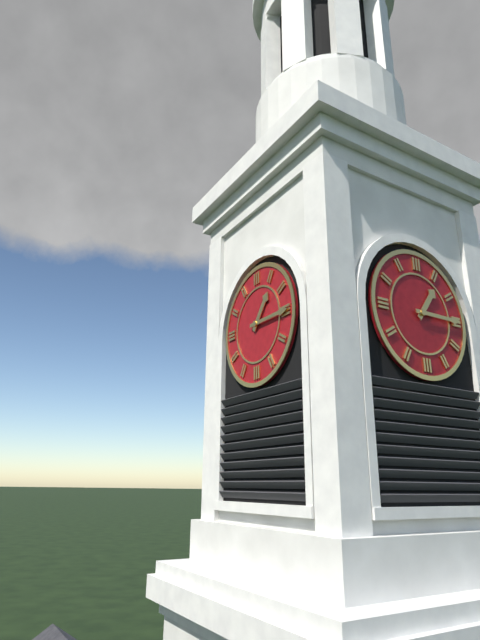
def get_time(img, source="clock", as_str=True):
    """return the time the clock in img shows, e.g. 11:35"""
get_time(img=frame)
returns 1:15
